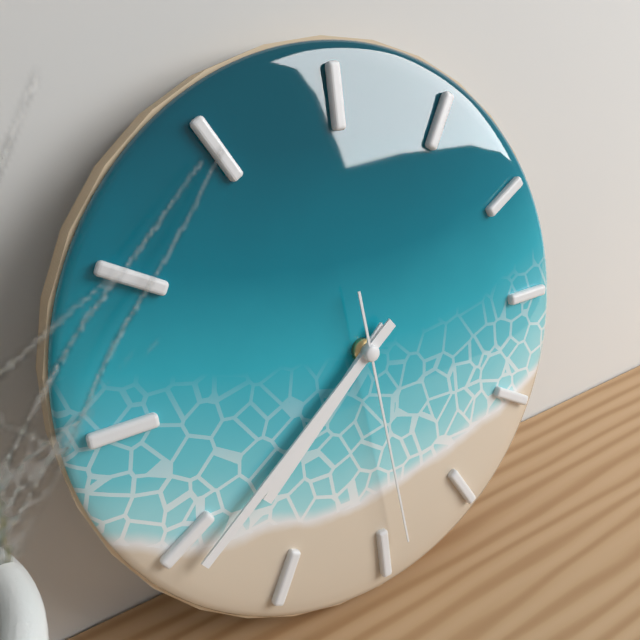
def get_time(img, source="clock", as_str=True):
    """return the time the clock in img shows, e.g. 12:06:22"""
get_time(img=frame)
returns 7:39:29
